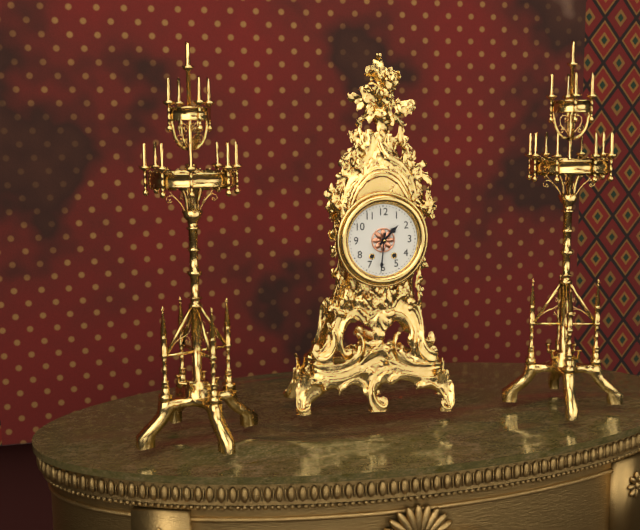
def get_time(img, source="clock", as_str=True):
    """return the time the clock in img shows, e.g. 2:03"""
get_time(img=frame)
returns 1:31
